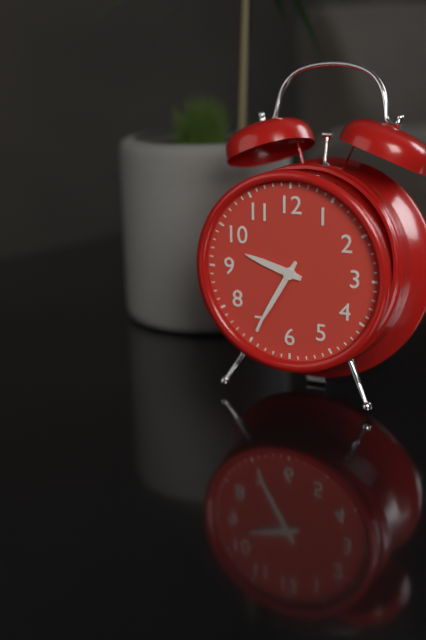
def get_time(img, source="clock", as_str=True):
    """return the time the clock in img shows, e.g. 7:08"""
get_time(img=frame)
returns 9:35
